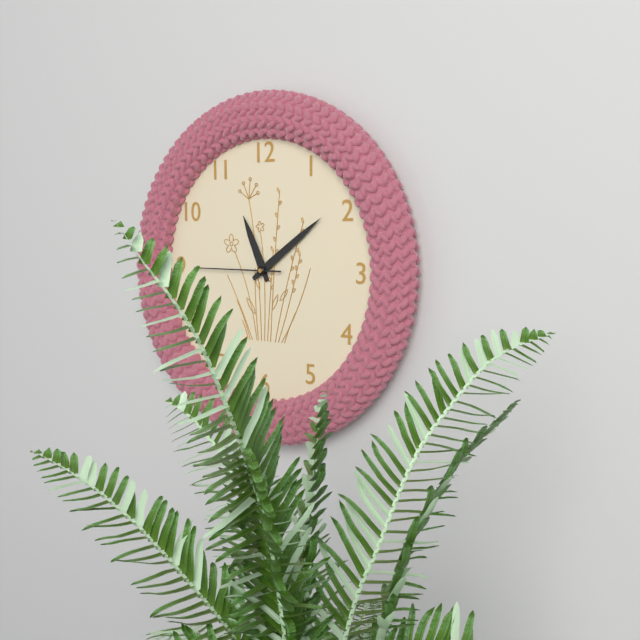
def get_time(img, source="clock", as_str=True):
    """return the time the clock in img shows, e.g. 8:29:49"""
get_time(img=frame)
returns 11:09:45
